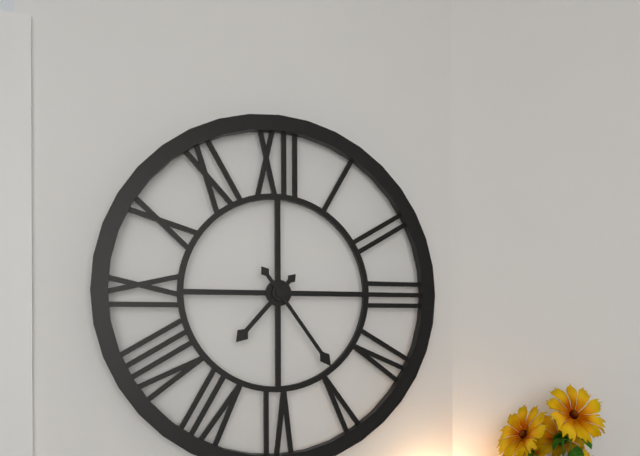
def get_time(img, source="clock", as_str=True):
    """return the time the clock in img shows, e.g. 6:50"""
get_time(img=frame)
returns 7:24
